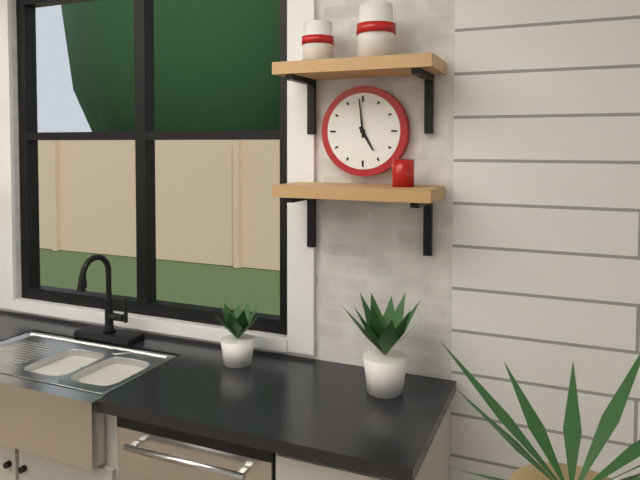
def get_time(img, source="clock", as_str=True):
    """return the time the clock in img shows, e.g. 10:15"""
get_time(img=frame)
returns 4:59
